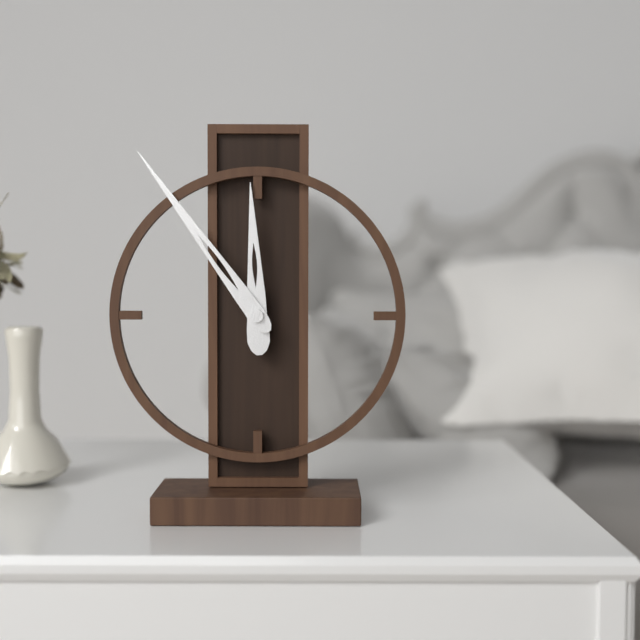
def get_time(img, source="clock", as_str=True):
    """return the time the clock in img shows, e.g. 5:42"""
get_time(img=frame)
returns 11:54
